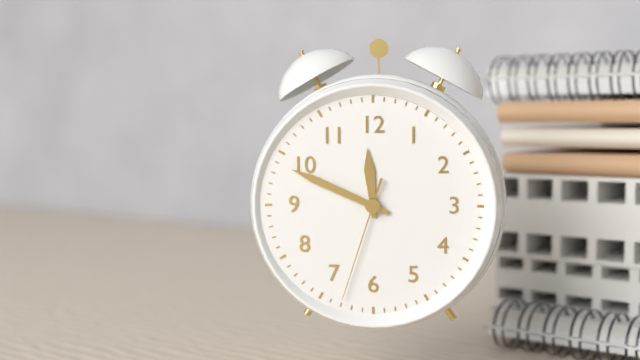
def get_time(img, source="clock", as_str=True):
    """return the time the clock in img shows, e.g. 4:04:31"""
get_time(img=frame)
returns 11:49:33
